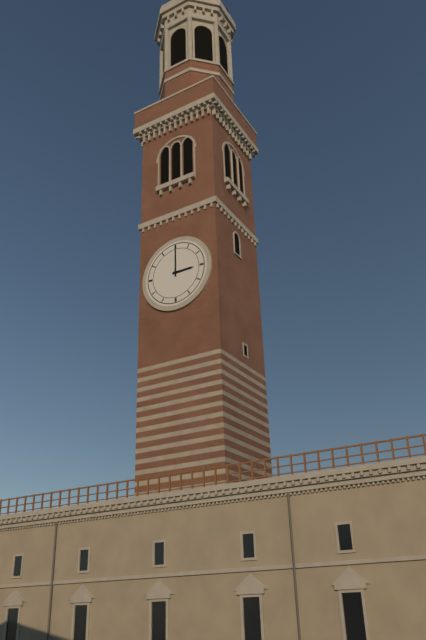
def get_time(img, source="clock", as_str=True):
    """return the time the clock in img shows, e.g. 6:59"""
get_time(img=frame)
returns 3:00
